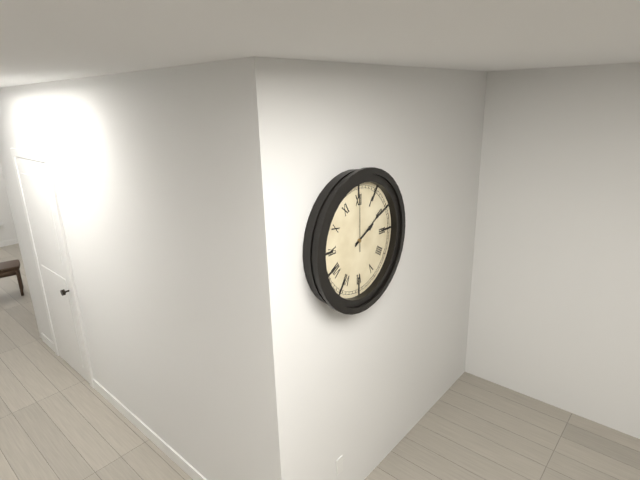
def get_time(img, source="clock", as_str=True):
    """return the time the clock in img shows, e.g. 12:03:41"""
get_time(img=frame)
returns 2:10:00
